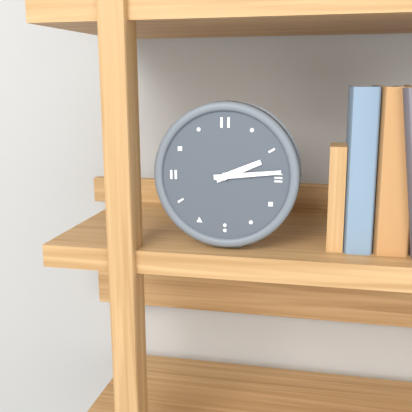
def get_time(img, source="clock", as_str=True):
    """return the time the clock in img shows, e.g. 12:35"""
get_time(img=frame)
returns 2:14
